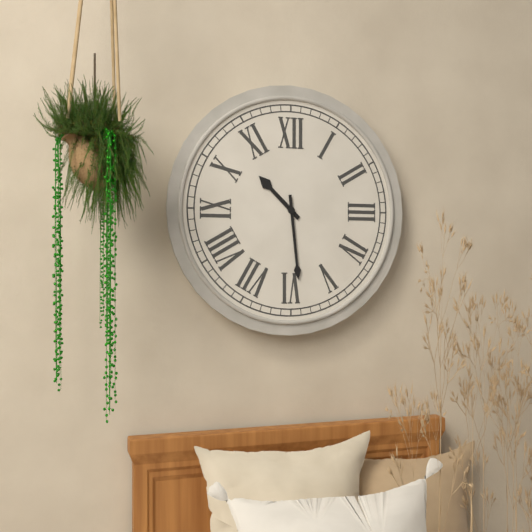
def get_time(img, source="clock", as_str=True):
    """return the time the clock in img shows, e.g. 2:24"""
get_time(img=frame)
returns 10:29
